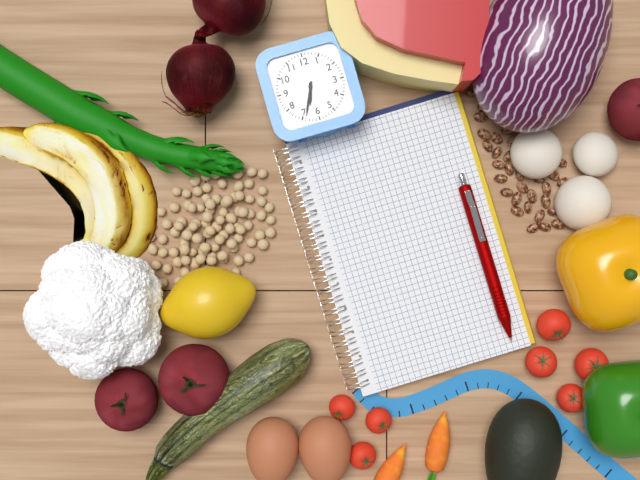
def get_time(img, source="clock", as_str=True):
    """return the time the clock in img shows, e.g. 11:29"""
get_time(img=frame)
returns 6:34
